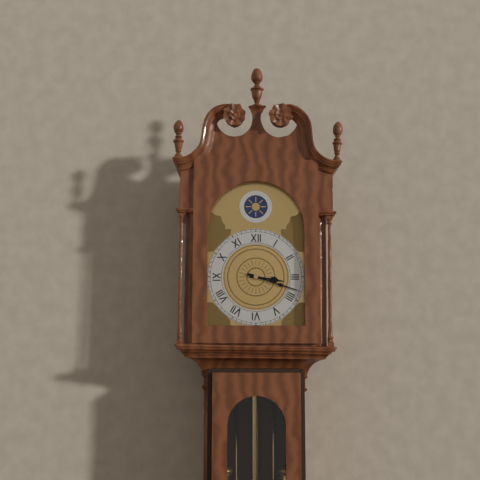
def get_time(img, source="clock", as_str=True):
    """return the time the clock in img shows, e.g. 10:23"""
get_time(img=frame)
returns 3:18
